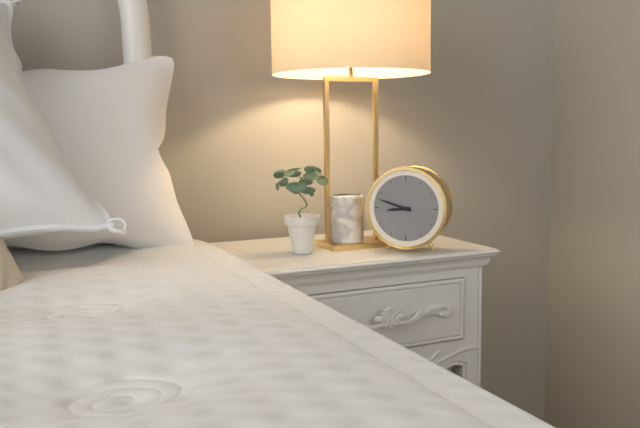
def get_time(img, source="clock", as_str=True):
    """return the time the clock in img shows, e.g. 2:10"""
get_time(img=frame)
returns 8:48
